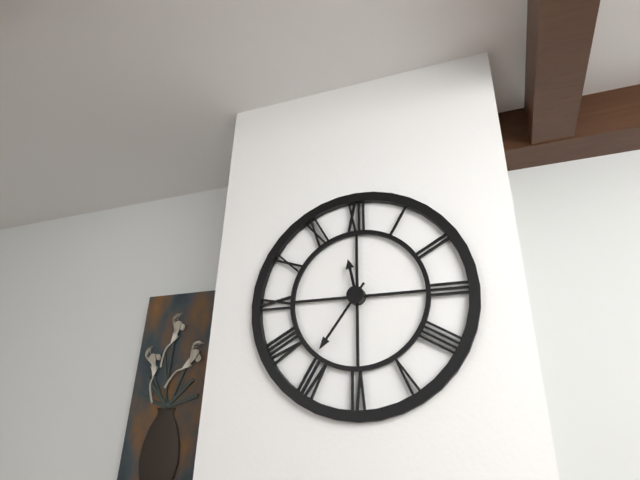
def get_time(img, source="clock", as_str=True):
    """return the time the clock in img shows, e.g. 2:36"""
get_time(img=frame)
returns 11:36
